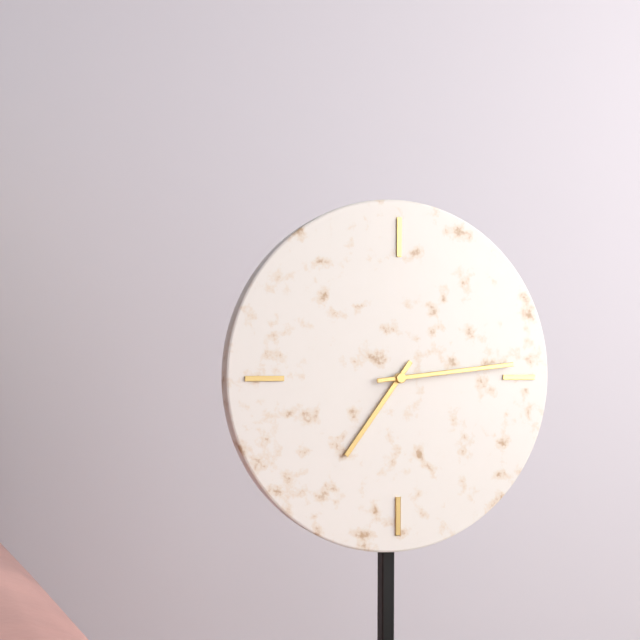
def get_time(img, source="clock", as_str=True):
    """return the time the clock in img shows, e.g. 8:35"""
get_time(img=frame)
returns 7:14
